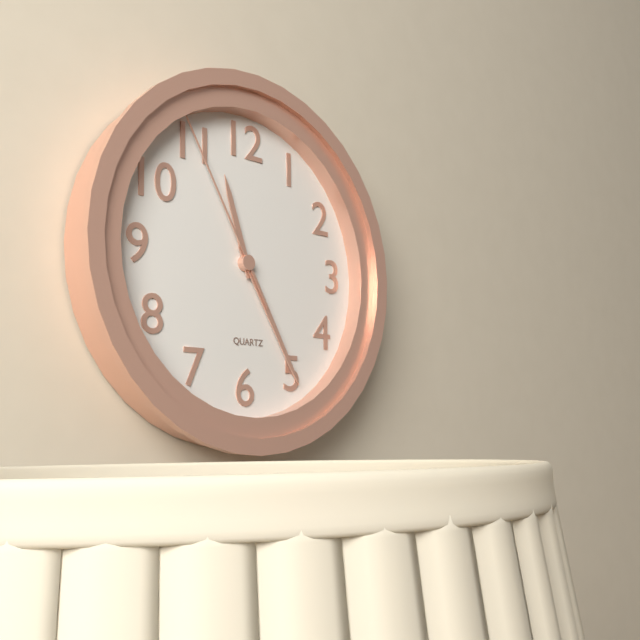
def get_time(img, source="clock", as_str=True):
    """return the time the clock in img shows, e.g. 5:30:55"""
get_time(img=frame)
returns 11:25:55
